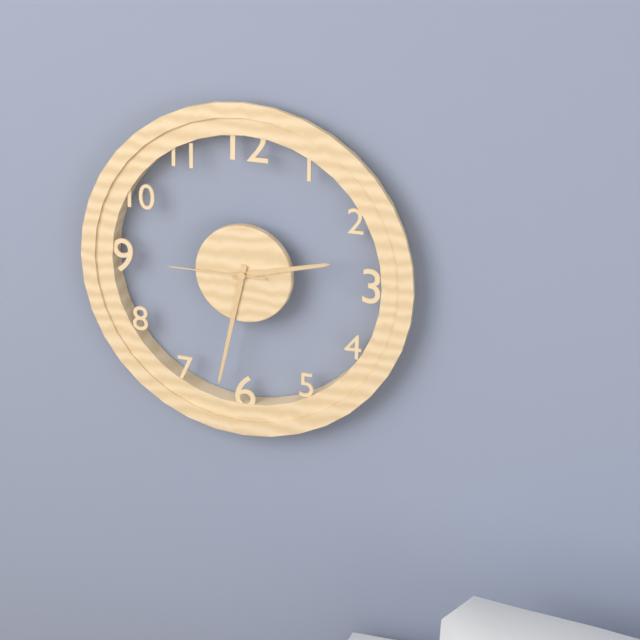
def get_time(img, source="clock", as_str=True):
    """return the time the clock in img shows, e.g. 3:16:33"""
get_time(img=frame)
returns 2:32:45
